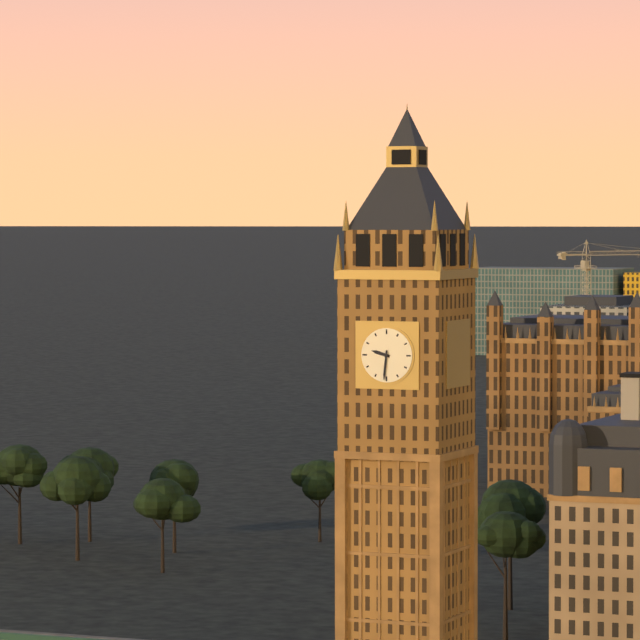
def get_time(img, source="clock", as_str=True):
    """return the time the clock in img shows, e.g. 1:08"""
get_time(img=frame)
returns 9:31
